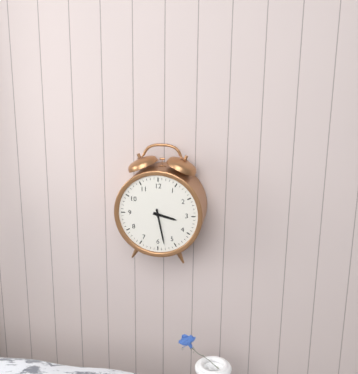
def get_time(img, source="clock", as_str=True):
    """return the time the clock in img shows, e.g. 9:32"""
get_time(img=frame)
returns 3:28
